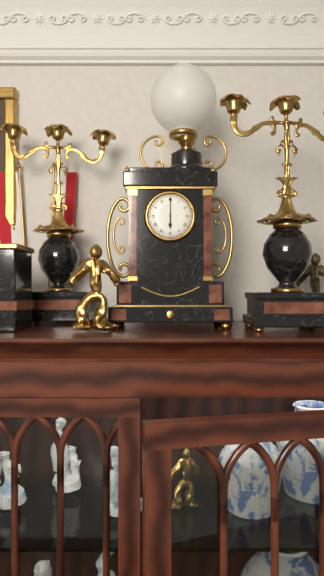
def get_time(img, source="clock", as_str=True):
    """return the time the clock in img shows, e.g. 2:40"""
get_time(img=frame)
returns 6:00
